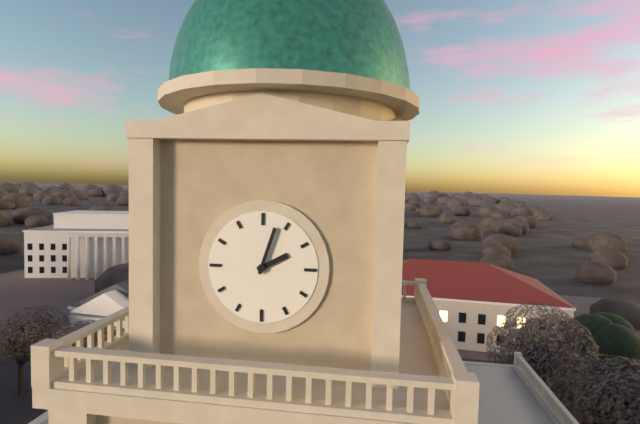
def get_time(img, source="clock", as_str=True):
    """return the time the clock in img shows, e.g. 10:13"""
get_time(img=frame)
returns 2:03
